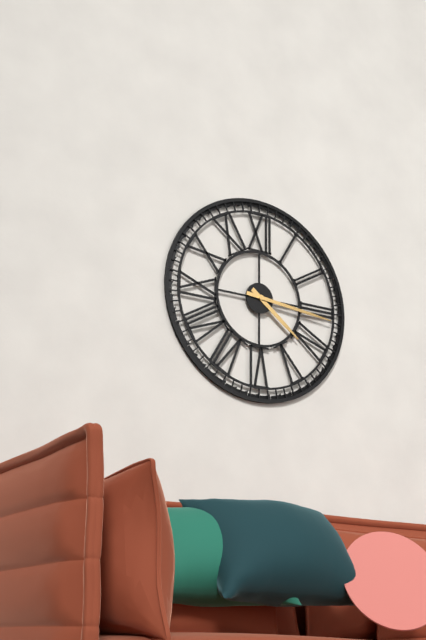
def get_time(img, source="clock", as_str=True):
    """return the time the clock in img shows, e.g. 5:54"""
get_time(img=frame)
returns 4:16
